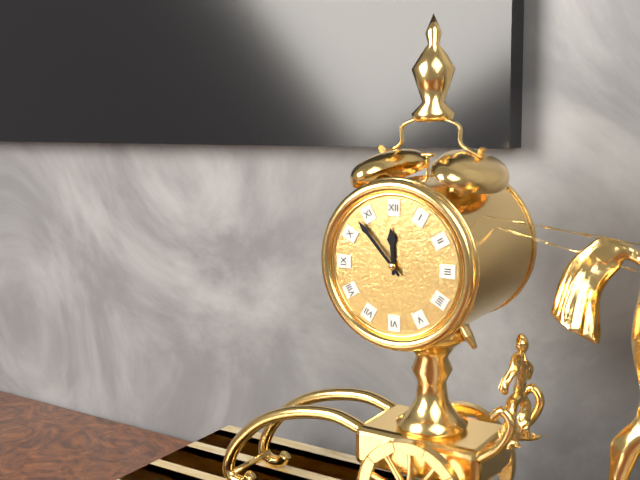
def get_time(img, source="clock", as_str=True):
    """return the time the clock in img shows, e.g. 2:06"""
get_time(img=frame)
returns 11:53
